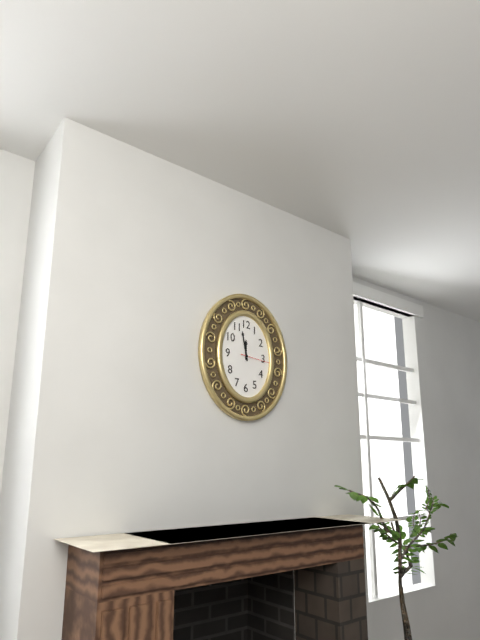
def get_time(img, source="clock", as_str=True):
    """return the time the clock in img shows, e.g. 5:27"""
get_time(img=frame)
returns 11:58
